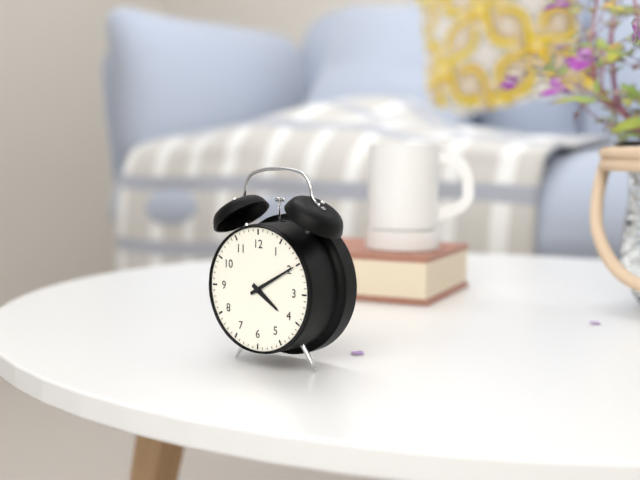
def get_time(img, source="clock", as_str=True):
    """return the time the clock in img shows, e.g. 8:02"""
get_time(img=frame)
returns 4:10
